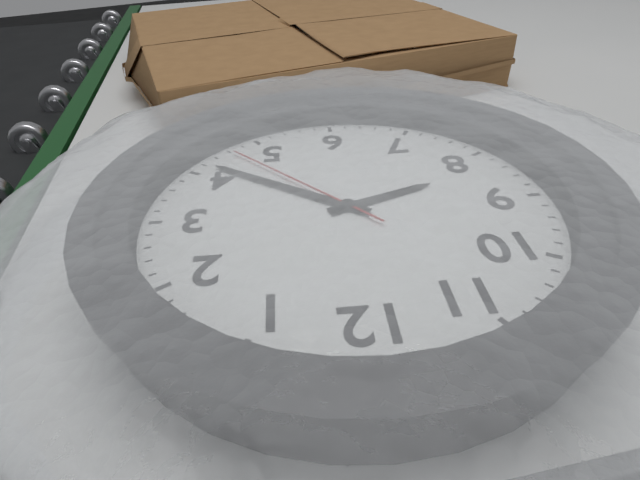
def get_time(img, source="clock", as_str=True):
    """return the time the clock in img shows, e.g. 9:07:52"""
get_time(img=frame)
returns 8:21:23
